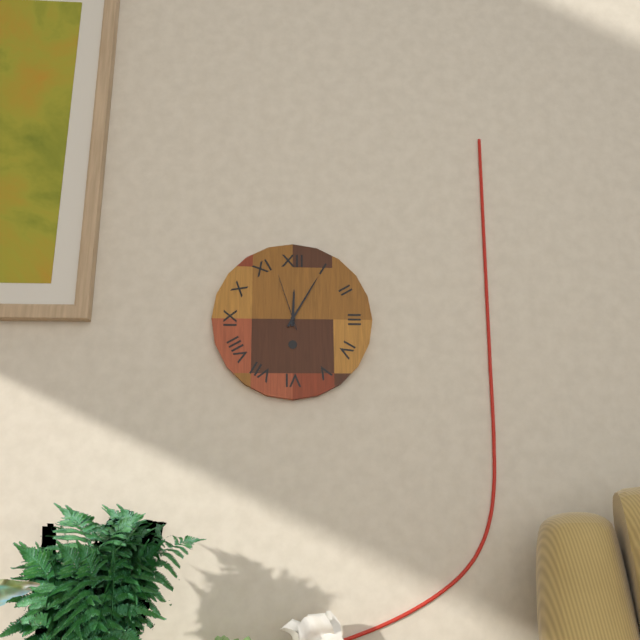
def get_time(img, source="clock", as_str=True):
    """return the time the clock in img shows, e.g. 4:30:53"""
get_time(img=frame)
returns 12:05:57
